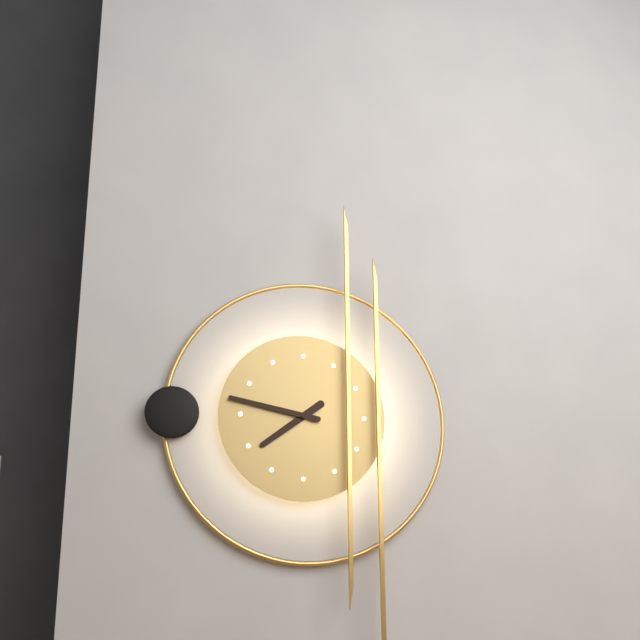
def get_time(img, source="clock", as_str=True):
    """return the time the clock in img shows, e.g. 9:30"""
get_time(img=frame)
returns 7:47
